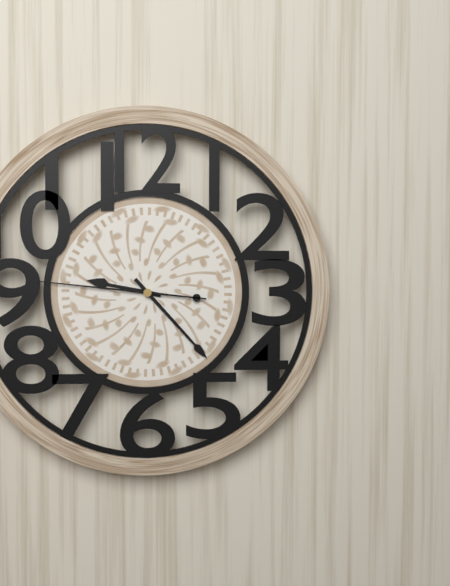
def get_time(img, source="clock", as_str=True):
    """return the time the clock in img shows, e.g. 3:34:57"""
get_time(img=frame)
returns 9:23:46
